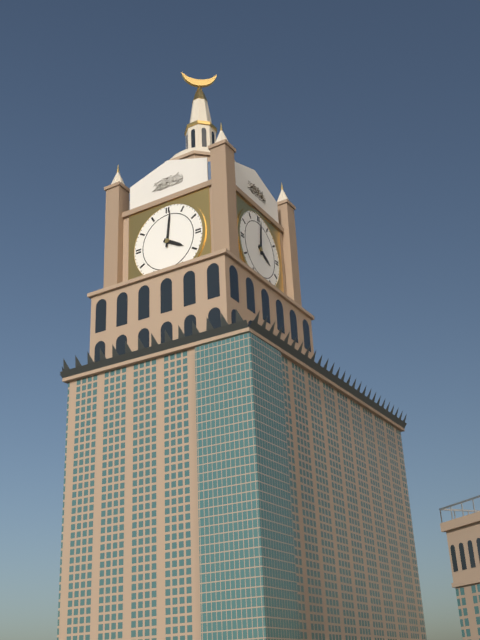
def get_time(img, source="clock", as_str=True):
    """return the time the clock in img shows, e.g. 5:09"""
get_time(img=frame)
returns 4:01
